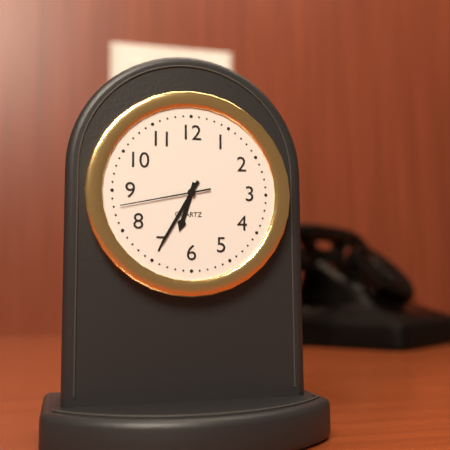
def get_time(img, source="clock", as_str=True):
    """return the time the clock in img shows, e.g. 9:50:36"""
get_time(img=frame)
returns 6:35:43
